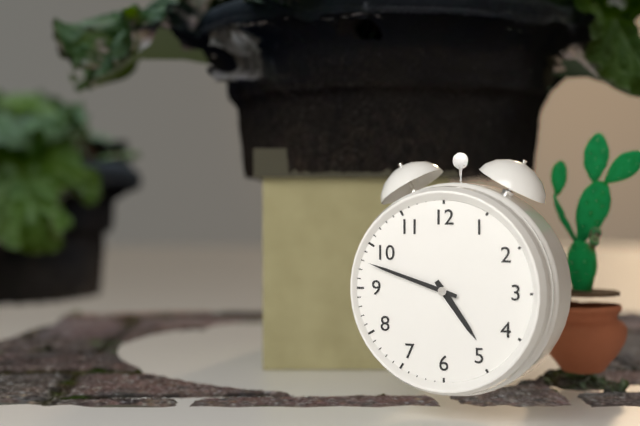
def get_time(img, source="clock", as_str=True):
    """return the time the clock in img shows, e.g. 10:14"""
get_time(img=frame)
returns 4:48
